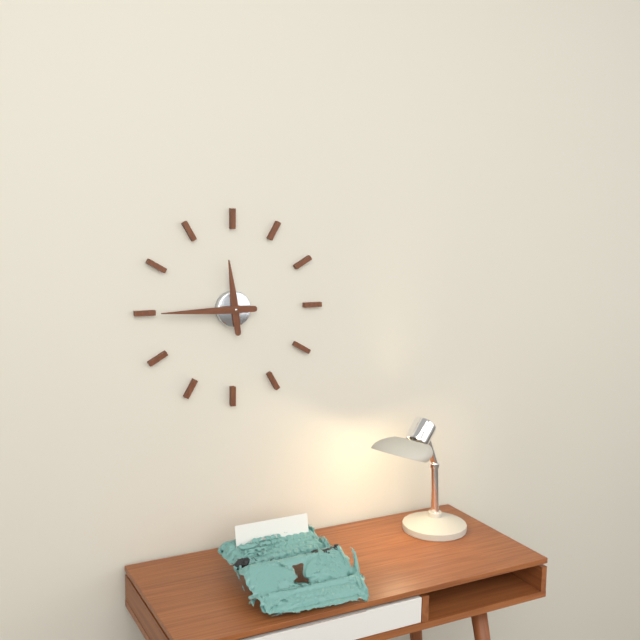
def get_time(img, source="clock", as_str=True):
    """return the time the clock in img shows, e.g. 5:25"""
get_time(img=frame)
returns 11:45
